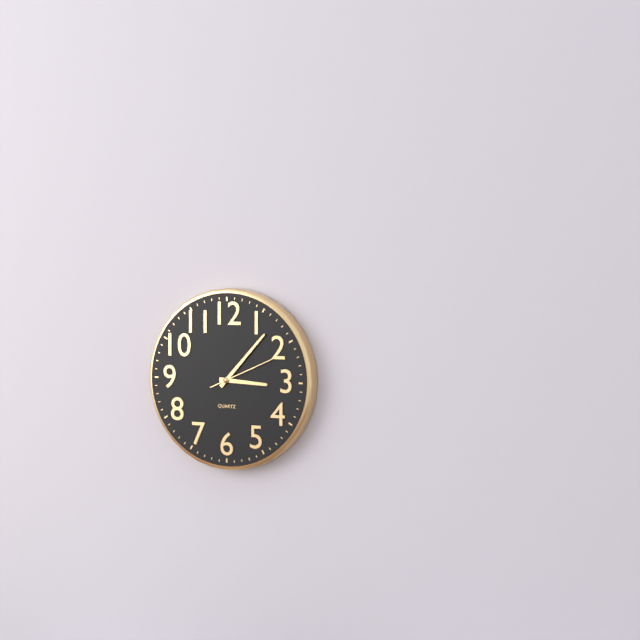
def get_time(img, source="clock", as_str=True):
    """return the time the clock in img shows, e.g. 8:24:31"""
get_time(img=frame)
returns 3:07:11
